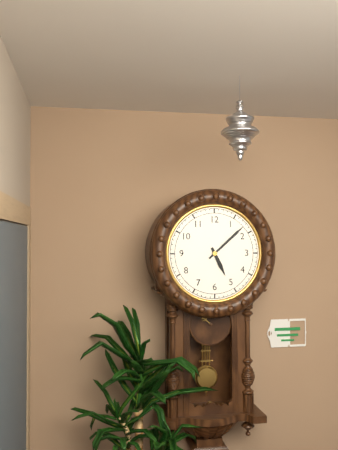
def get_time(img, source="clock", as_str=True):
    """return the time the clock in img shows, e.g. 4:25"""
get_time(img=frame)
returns 5:08
